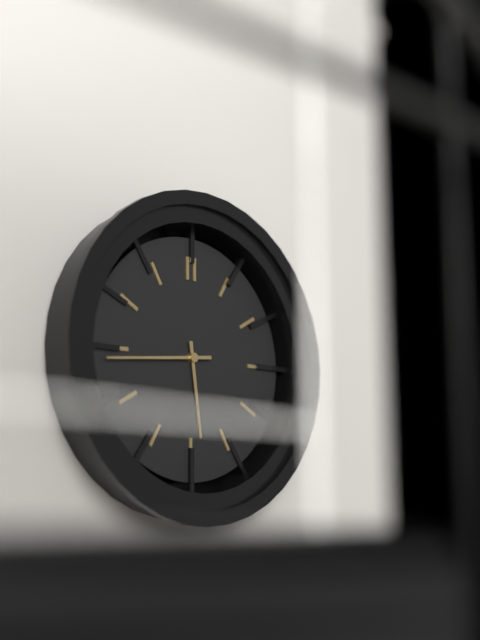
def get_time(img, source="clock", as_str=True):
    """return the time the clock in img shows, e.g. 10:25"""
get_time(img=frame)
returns 5:44
